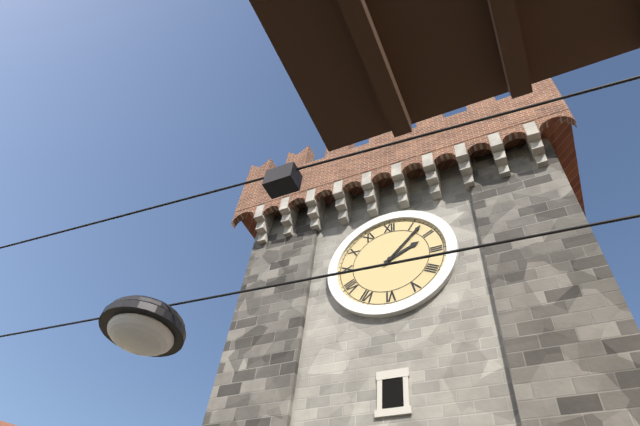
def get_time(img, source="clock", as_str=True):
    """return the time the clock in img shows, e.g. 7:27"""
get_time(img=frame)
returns 2:07
